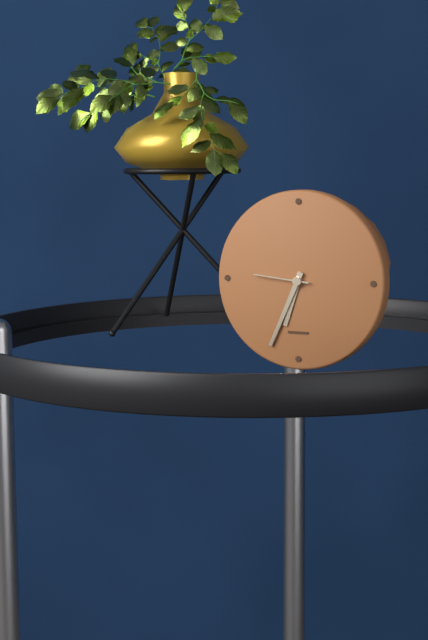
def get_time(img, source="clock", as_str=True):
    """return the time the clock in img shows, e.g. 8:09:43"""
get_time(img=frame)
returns 6:34:46
